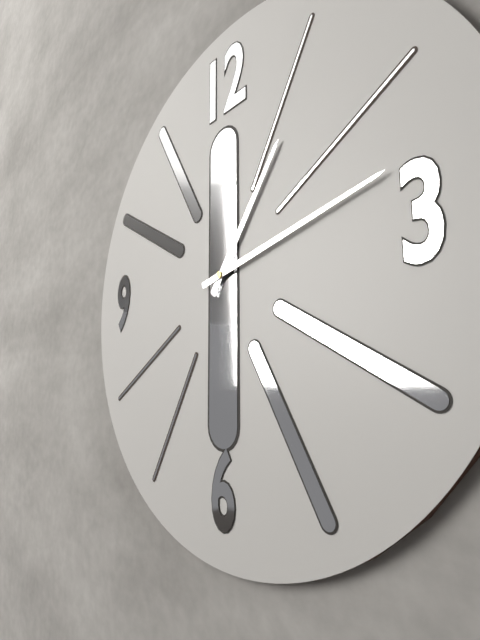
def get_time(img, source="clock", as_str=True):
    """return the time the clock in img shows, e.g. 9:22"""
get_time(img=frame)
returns 1:13
